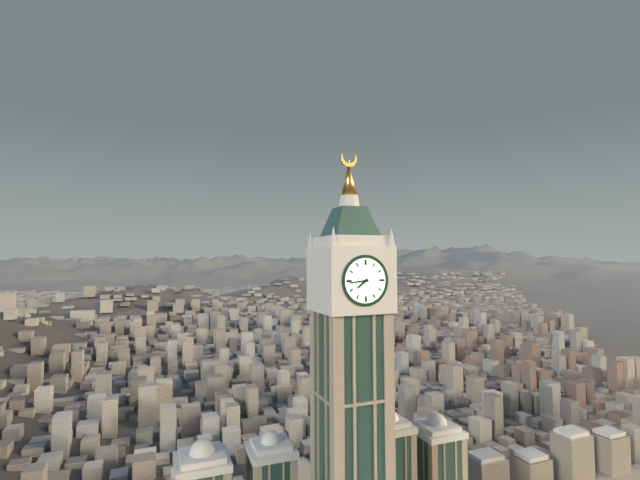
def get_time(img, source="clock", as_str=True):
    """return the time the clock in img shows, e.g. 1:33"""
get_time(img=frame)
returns 7:44
